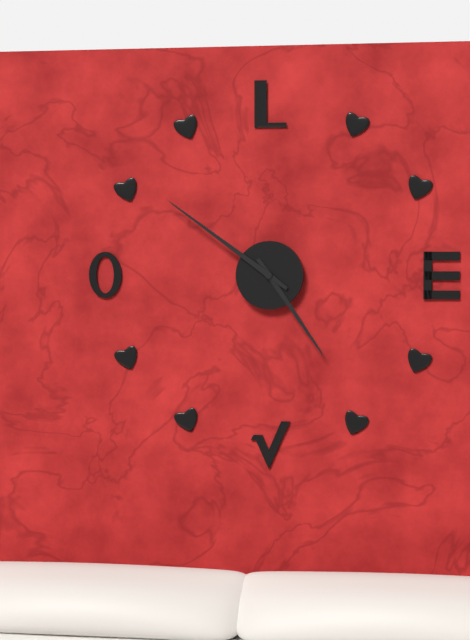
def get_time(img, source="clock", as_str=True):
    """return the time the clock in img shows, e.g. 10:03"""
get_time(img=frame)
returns 4:51
